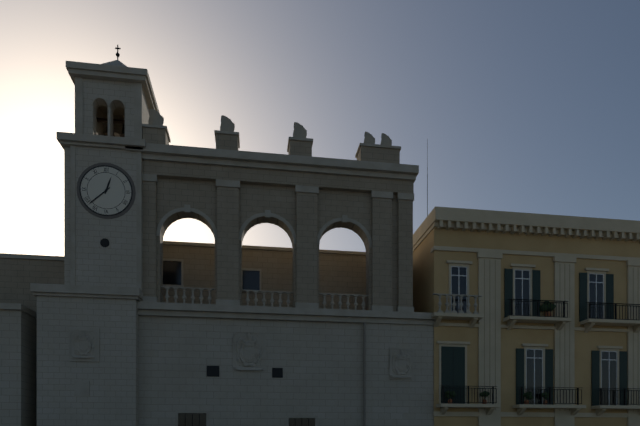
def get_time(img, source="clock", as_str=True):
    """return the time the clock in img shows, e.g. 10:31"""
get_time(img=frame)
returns 12:38
